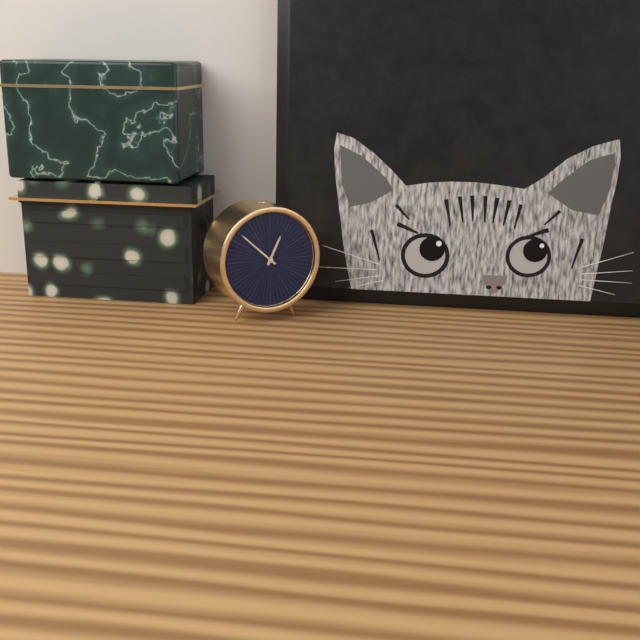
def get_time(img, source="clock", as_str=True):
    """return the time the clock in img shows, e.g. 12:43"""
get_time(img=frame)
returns 12:52
